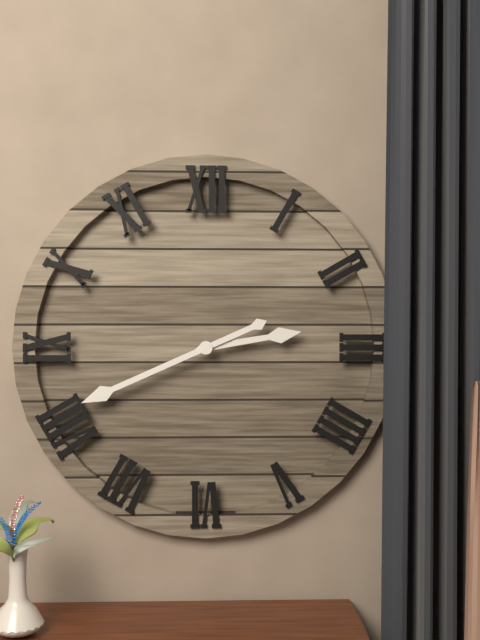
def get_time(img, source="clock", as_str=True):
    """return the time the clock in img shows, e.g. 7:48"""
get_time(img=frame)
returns 2:41
